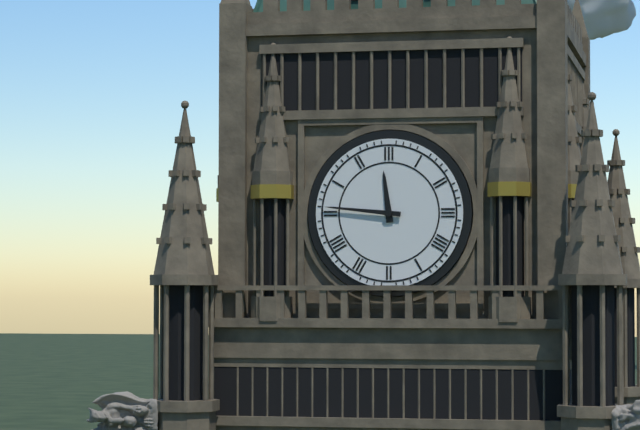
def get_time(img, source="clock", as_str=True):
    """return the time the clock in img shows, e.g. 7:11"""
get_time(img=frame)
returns 11:46
